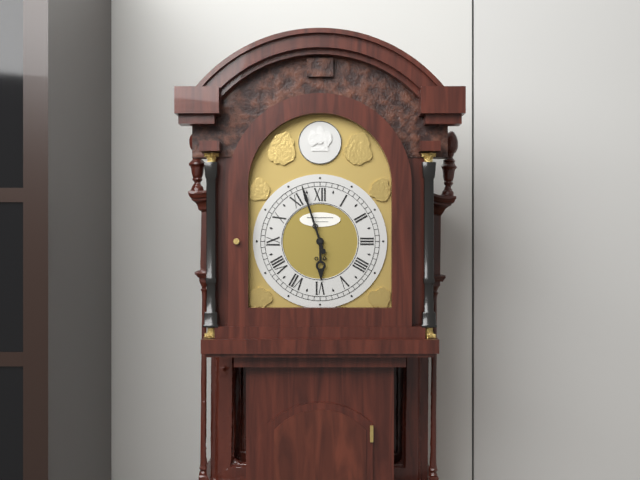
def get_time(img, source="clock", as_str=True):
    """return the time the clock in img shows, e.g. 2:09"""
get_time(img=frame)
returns 5:57
